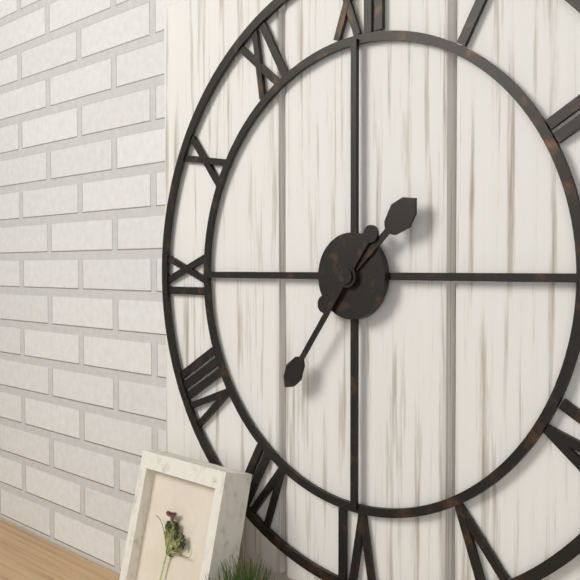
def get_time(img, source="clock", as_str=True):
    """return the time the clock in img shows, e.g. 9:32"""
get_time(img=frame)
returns 1:36
